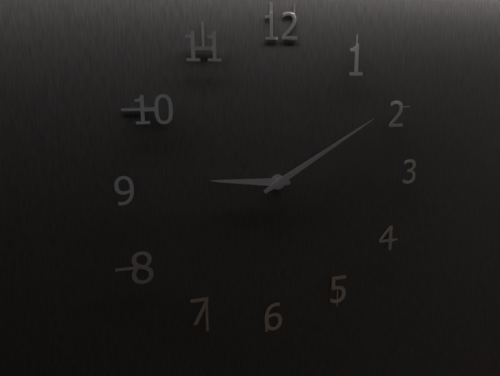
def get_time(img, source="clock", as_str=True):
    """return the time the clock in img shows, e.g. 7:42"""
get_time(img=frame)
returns 9:10
